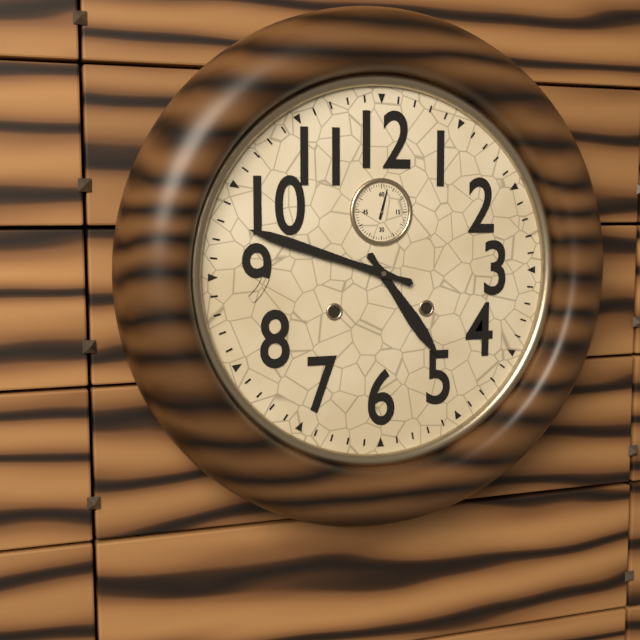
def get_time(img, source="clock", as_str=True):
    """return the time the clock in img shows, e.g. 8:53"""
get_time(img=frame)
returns 4:48
